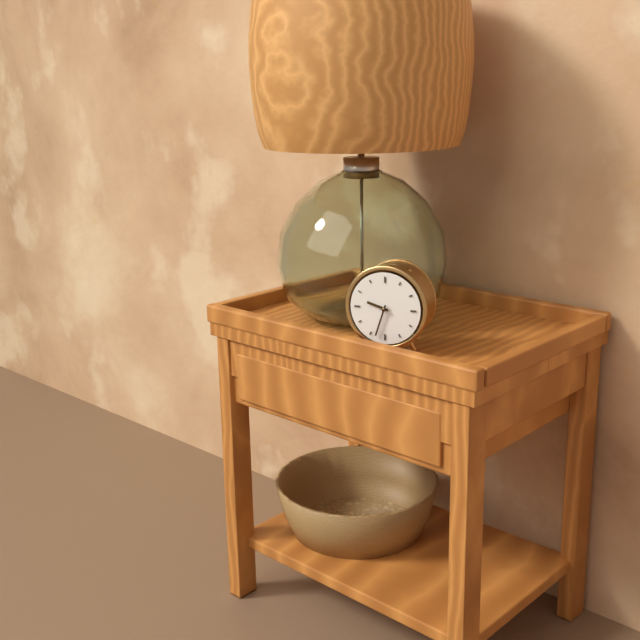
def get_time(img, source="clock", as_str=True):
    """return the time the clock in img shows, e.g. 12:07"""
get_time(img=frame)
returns 9:33
